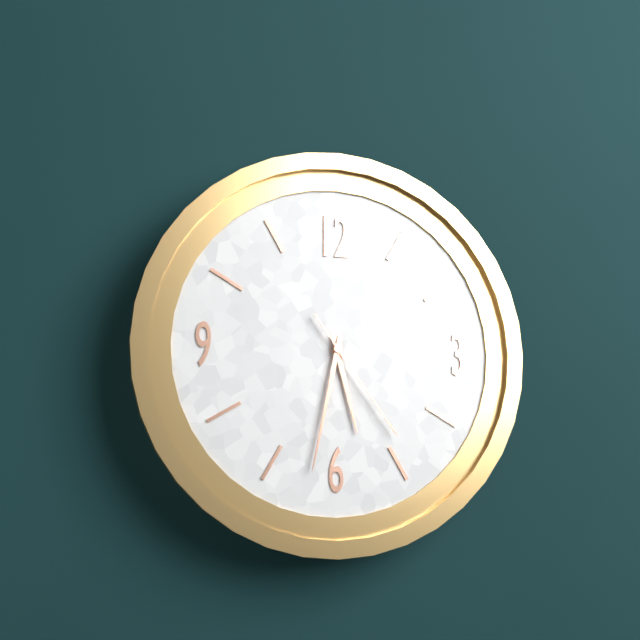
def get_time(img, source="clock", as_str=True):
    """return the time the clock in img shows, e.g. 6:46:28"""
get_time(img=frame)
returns 5:32:24
